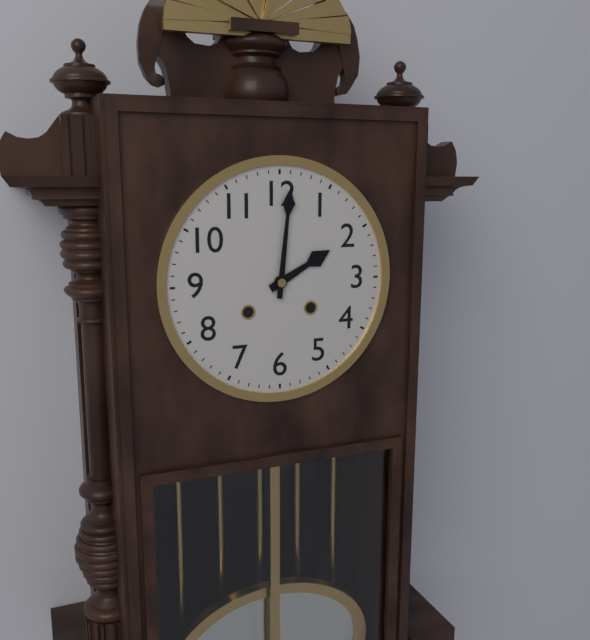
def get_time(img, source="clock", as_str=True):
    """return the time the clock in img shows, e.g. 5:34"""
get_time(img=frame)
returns 2:01
